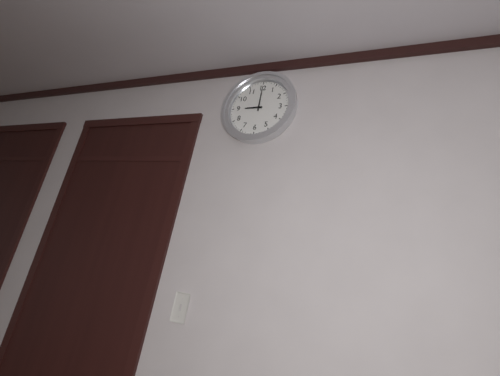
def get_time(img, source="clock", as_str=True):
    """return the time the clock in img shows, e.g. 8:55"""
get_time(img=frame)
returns 9:00
